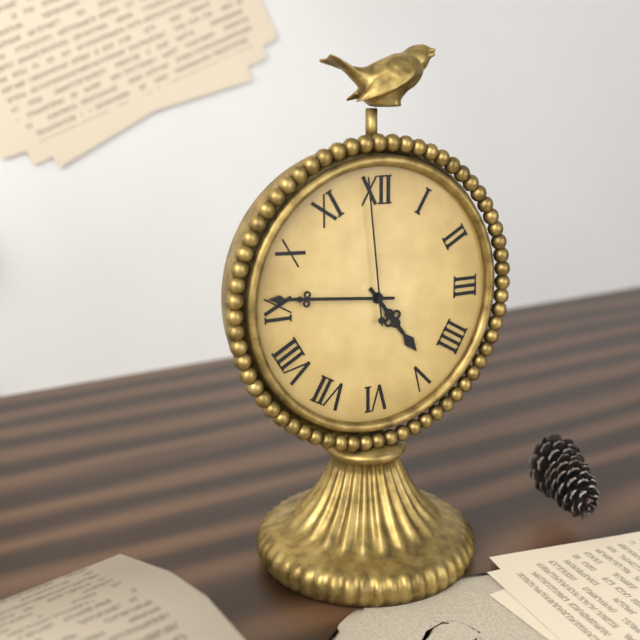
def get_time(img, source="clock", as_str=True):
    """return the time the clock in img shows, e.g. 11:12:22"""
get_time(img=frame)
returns 4:46:59
